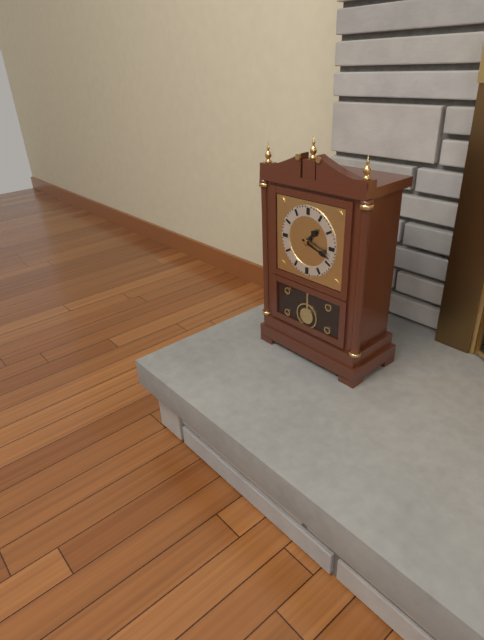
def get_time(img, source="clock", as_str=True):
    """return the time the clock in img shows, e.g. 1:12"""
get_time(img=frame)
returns 1:18
